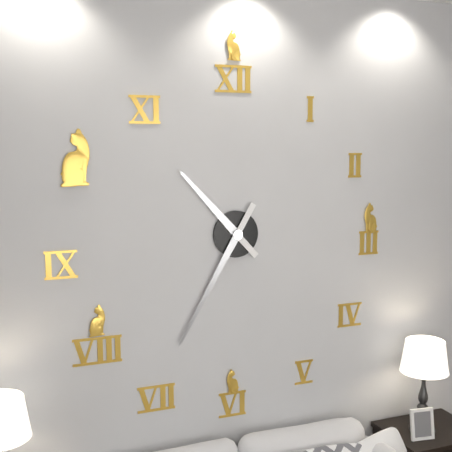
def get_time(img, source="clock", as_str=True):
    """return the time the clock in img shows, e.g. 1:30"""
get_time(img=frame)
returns 10:35
